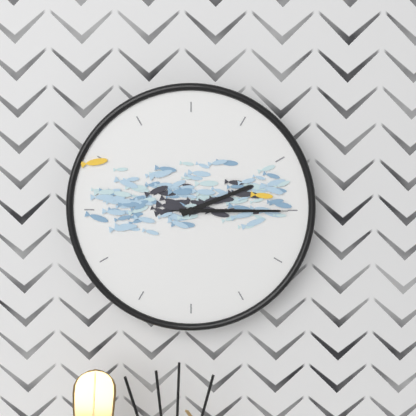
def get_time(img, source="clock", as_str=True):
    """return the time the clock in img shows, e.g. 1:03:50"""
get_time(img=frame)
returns 2:15:15
